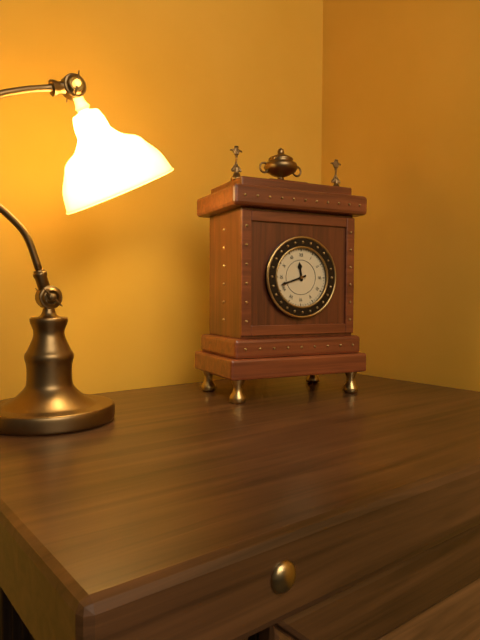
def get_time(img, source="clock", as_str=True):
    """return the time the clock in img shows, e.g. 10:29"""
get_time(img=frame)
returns 11:42
